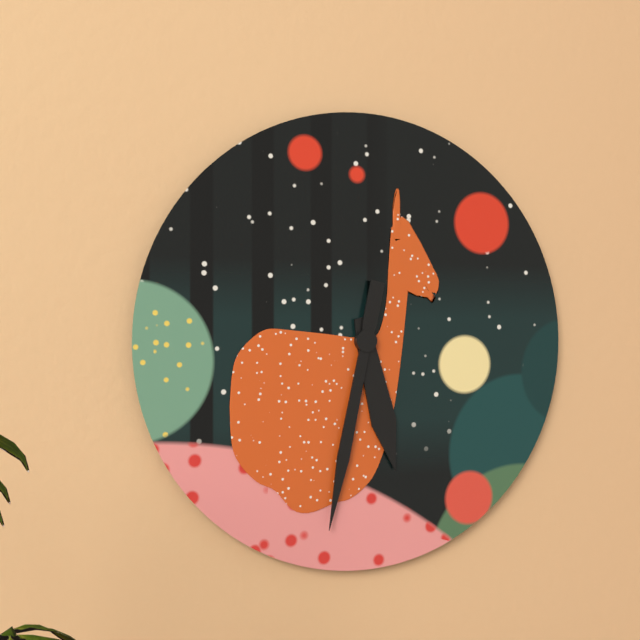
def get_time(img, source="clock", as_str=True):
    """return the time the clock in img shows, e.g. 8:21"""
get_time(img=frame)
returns 5:32
